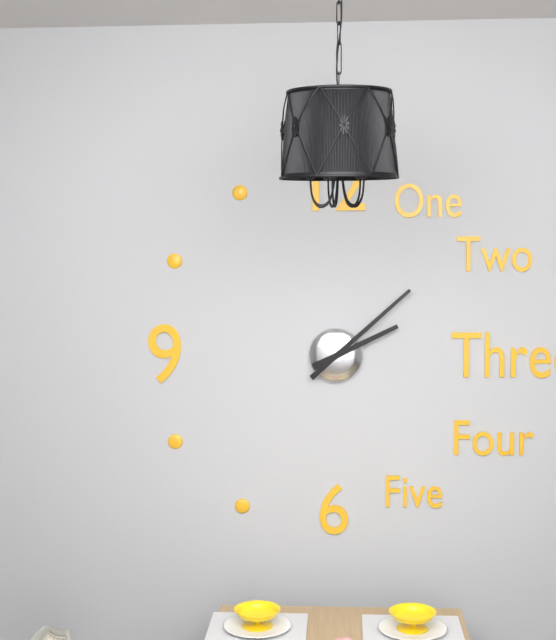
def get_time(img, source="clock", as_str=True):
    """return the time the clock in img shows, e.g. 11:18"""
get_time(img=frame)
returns 2:08
